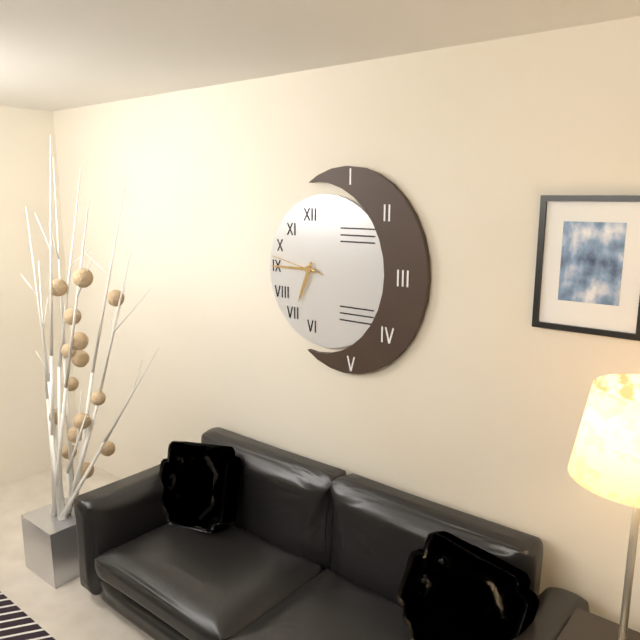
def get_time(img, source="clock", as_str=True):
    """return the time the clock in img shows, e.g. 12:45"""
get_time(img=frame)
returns 6:45
